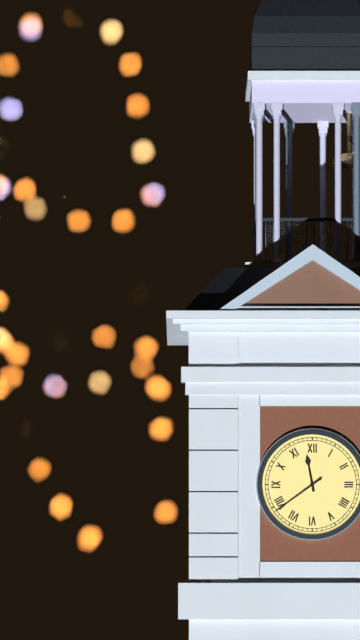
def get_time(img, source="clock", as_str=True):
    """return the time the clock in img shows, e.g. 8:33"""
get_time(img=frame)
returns 11:39
